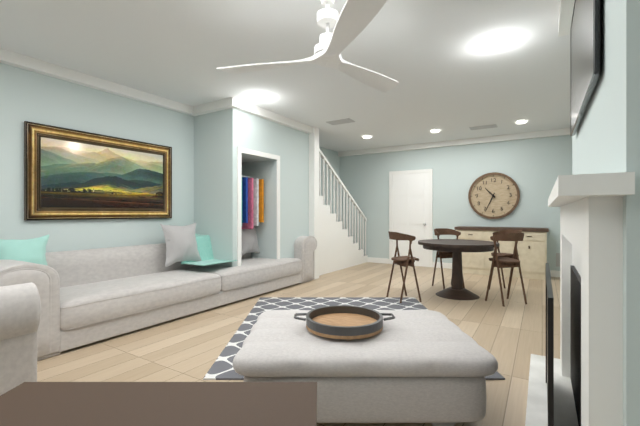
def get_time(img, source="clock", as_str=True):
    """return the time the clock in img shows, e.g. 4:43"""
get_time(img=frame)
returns 10:34
